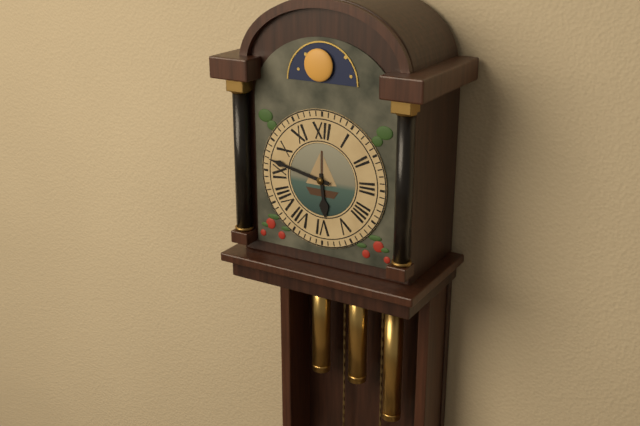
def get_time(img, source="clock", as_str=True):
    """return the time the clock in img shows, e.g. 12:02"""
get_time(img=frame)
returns 5:47
